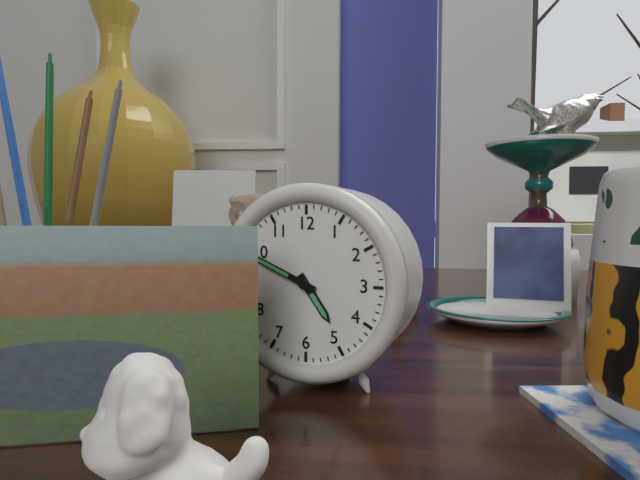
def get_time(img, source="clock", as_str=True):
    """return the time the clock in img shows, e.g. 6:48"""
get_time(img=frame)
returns 4:49
